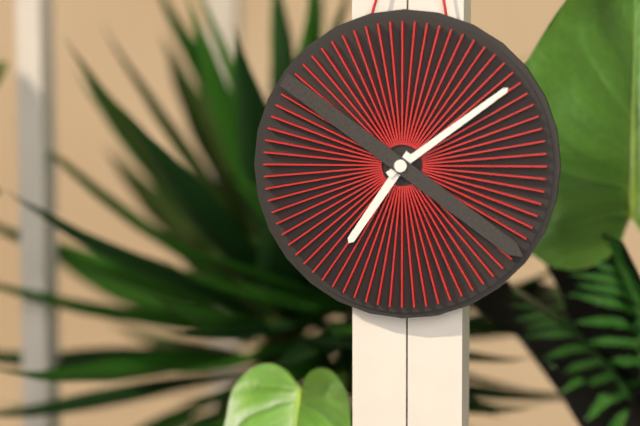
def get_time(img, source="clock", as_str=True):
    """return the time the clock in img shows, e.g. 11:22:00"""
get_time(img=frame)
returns 7:09:21
